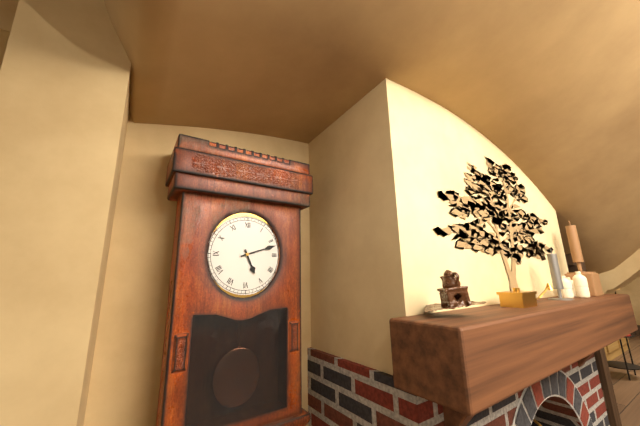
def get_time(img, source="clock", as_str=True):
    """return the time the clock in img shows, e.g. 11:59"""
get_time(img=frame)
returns 5:12
